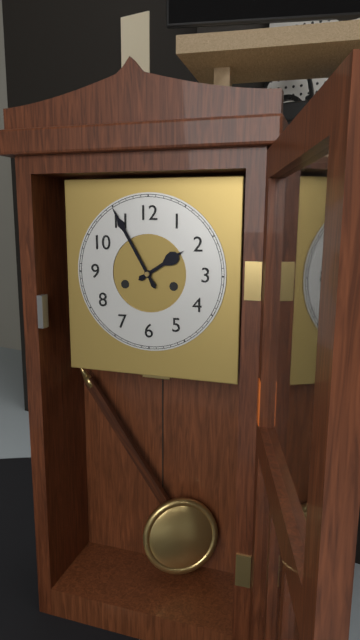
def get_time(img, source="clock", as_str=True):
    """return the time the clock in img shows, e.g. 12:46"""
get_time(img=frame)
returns 1:55
